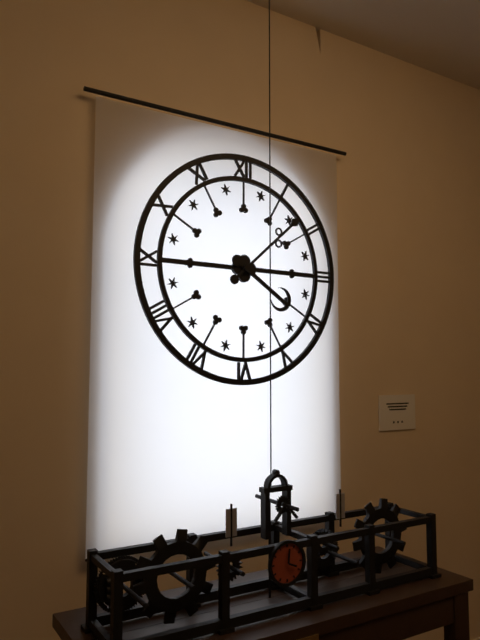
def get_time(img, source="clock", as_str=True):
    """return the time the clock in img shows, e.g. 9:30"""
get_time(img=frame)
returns 4:08
